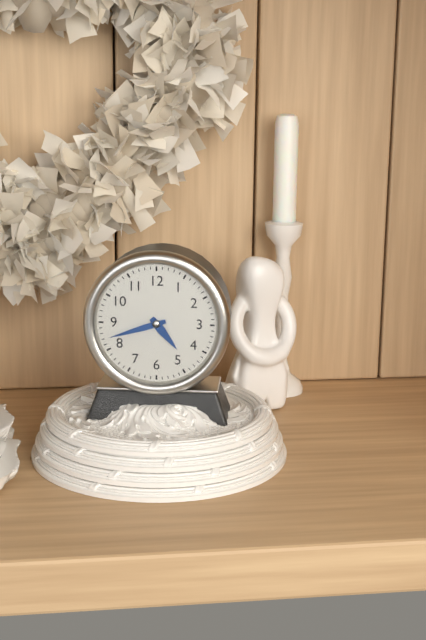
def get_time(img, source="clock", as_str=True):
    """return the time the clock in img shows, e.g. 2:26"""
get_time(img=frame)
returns 4:42
